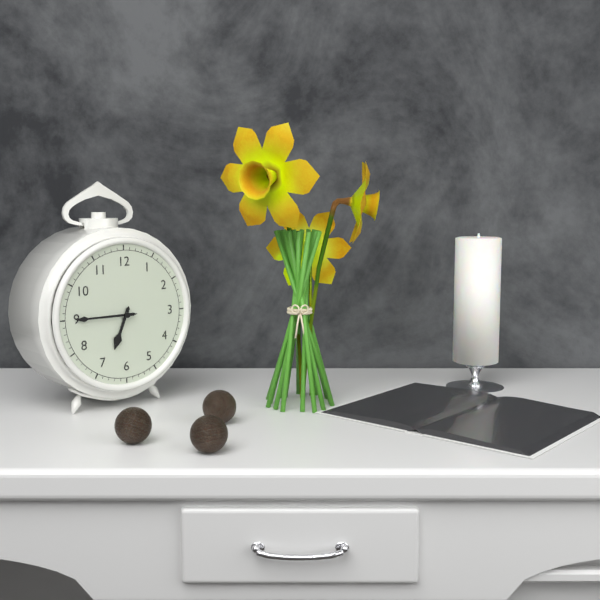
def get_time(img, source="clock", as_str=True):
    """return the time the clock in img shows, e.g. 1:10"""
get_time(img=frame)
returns 6:45
